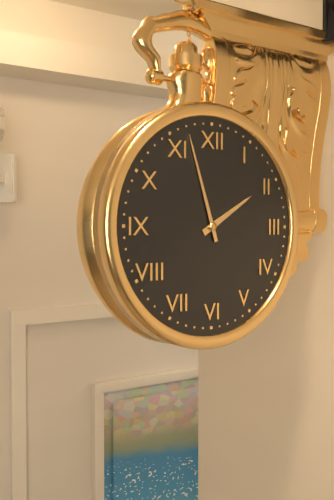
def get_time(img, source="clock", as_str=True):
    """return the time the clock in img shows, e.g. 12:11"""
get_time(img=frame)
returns 1:57
